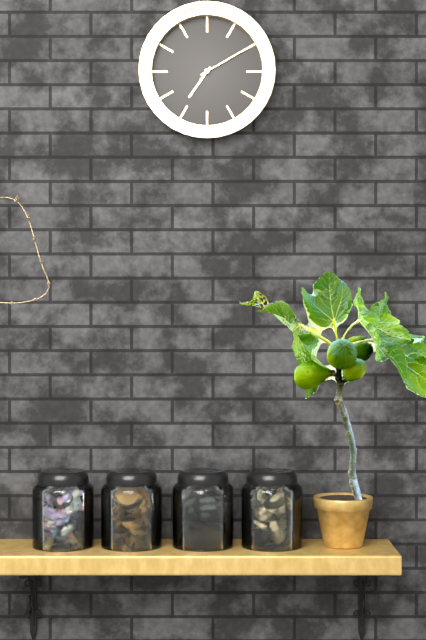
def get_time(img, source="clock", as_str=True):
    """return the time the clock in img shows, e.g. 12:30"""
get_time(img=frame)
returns 7:10
